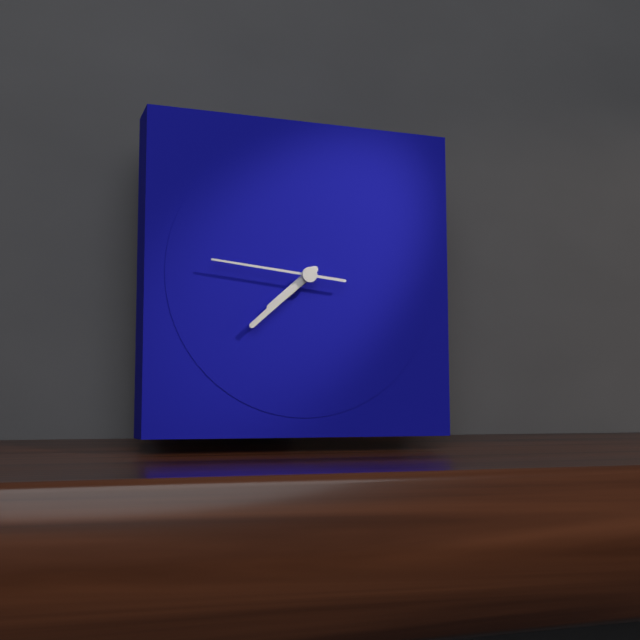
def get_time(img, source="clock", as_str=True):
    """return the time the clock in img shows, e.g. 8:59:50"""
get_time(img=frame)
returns 7:38:46
